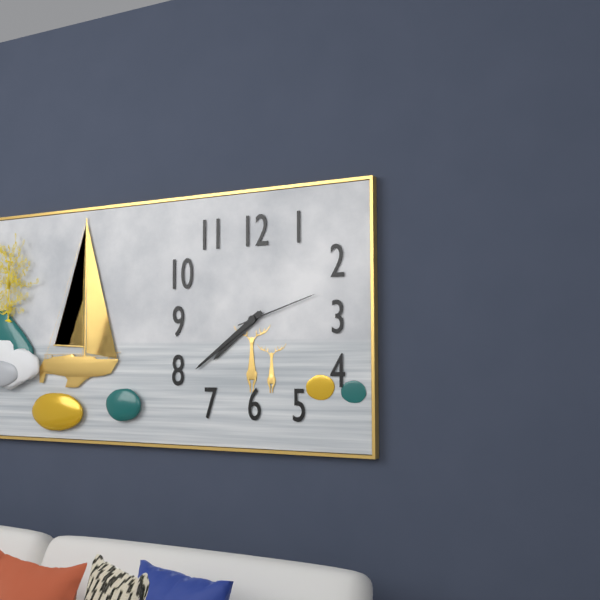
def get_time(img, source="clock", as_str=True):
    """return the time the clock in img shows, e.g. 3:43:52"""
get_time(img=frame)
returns 7:39:12
